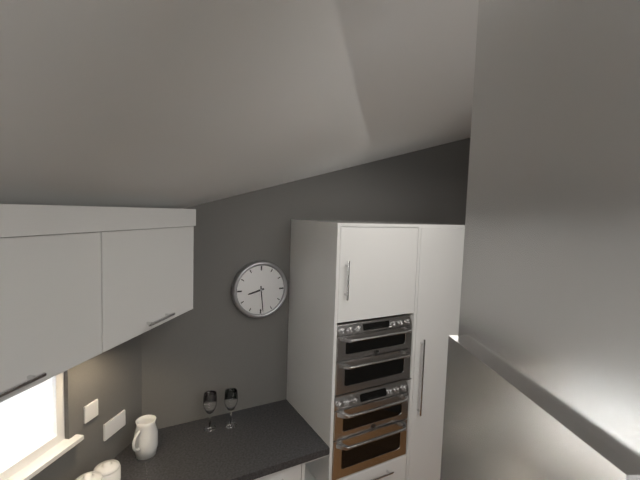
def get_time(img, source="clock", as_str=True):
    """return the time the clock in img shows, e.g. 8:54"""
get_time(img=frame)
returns 8:29
